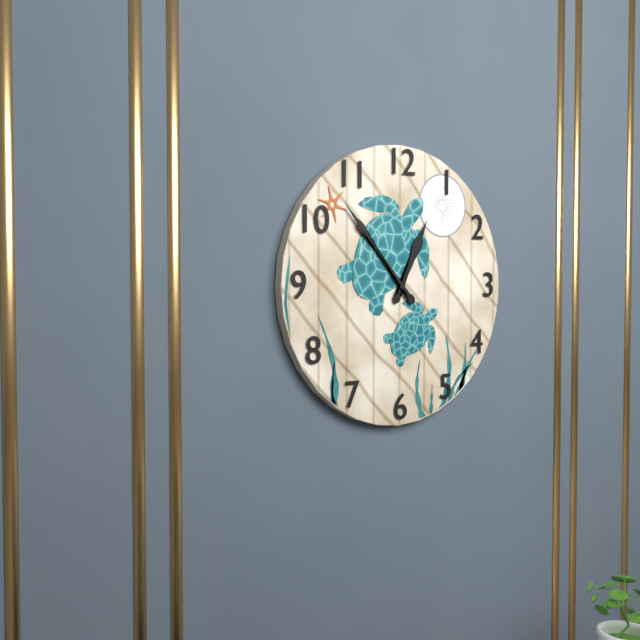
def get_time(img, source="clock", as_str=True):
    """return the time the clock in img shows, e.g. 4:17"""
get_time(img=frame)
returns 12:53
